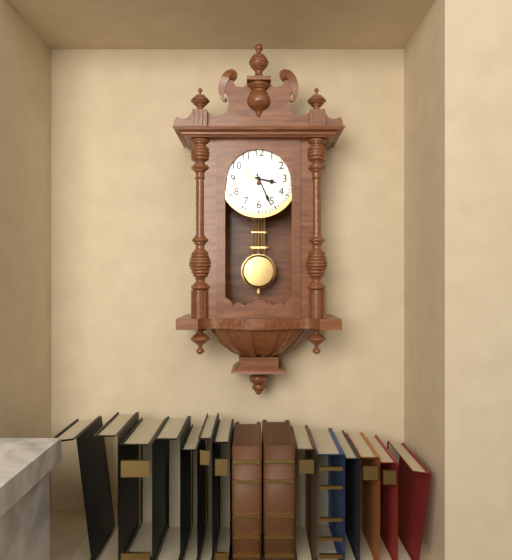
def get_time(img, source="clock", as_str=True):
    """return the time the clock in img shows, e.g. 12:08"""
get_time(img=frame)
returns 3:26
